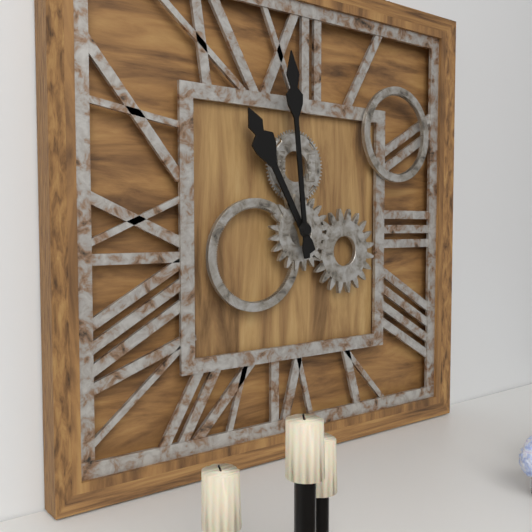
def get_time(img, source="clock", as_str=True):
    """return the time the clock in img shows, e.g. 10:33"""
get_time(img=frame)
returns 10:59
